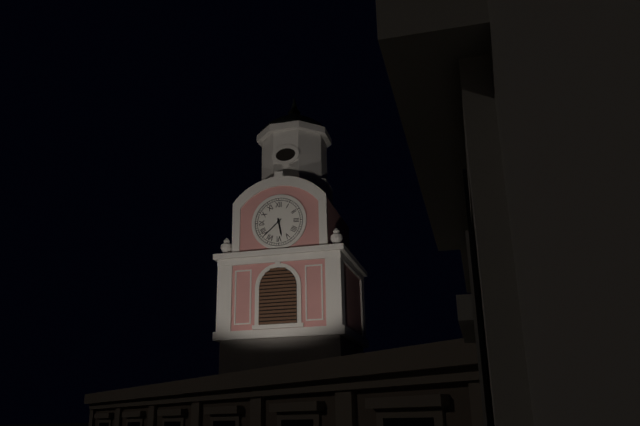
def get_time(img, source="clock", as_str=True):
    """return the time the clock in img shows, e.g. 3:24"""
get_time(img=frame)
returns 5:38
